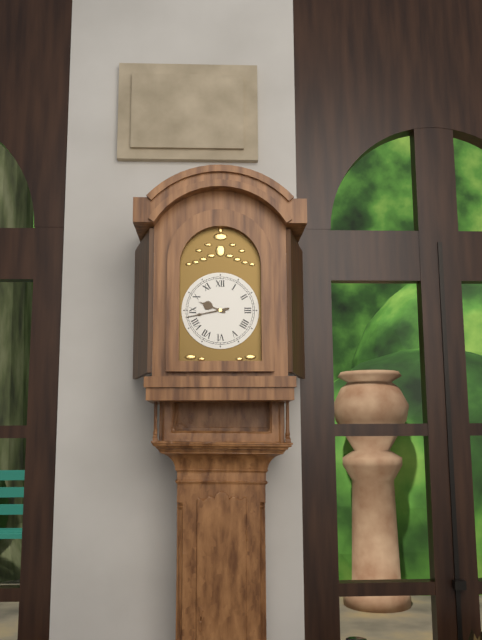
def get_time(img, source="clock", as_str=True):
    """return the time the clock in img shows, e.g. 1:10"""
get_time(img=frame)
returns 9:43
